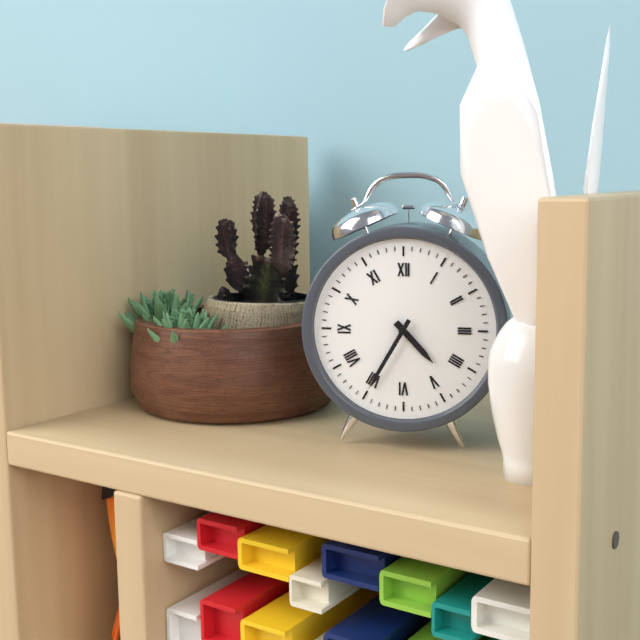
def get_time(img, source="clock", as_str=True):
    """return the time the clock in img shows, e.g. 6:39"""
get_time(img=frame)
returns 4:35
